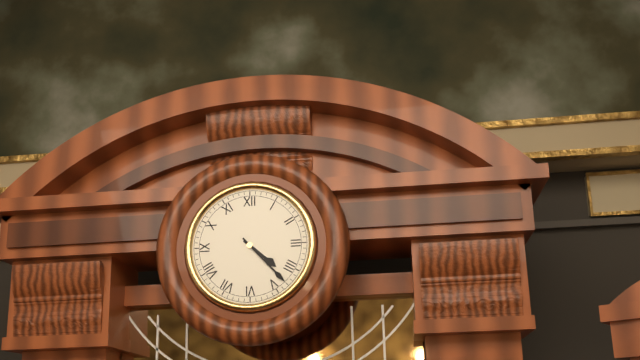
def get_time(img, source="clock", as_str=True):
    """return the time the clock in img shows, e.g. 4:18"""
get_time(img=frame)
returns 4:23
